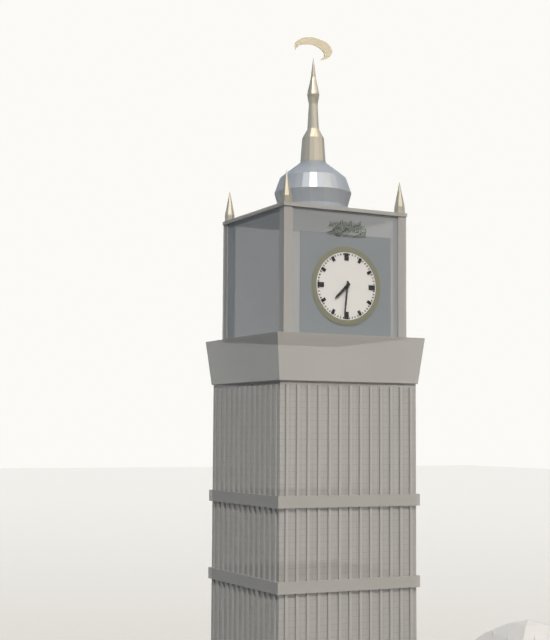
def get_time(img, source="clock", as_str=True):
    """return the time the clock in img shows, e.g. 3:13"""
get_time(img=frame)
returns 7:31
